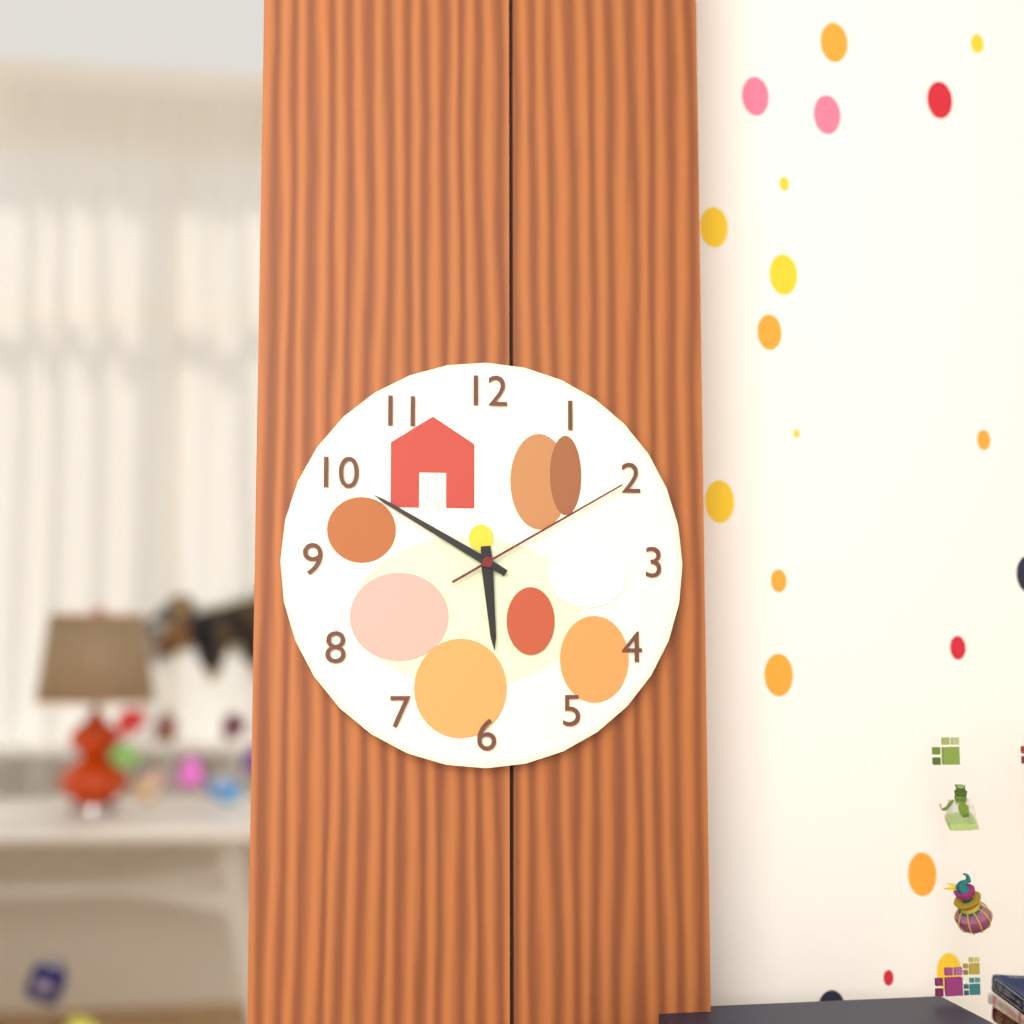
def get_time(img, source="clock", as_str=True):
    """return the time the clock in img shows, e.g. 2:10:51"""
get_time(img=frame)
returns 5:50:10
